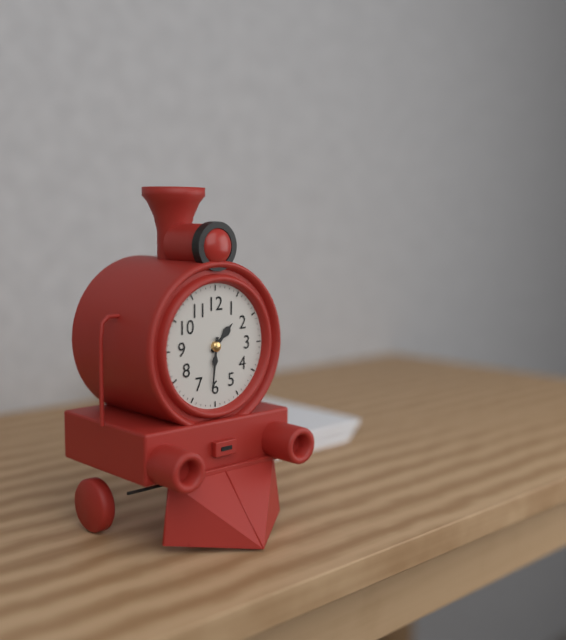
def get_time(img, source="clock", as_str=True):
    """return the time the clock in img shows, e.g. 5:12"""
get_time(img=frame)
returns 1:31
